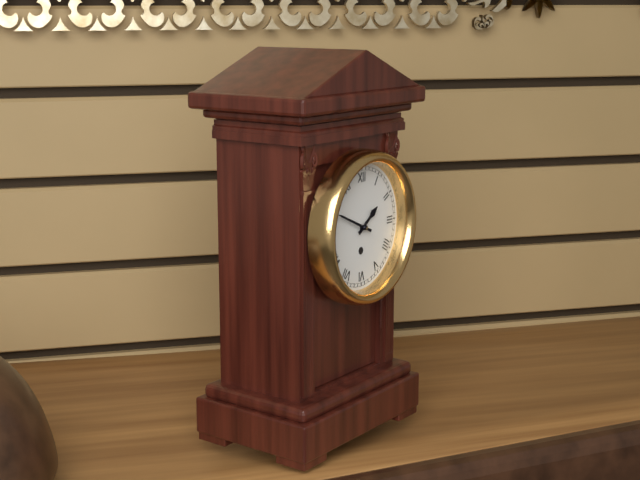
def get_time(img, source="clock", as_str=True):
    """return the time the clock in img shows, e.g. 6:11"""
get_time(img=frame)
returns 1:49
